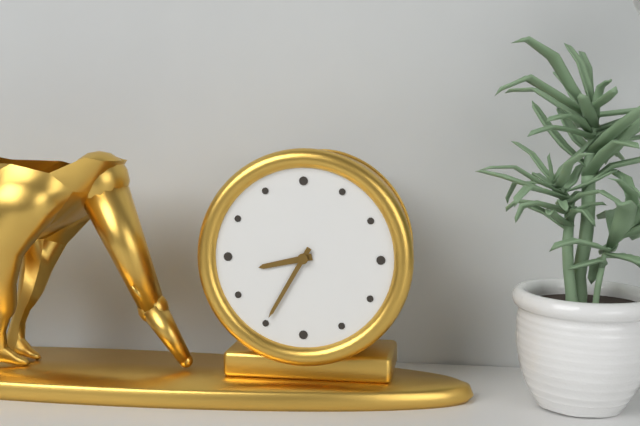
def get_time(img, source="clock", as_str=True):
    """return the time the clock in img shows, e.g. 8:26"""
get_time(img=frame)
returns 8:35
